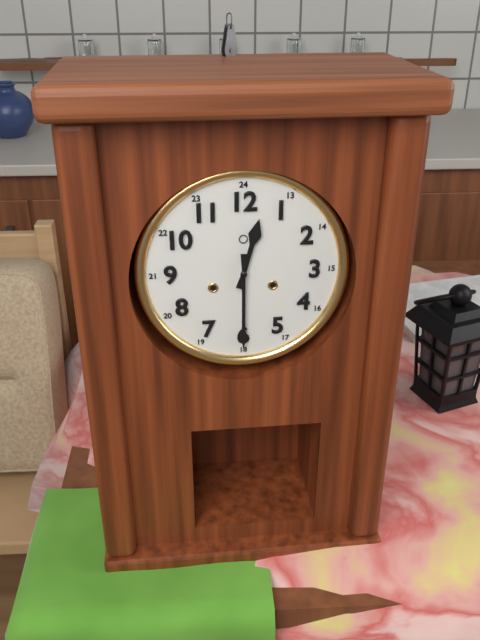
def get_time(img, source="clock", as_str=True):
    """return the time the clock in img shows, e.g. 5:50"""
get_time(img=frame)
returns 12:30
